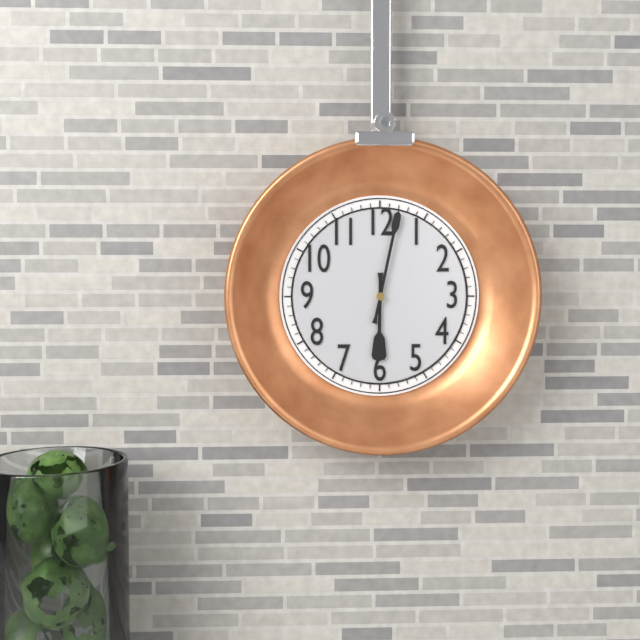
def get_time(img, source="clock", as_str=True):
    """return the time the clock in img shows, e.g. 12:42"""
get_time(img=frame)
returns 6:02
